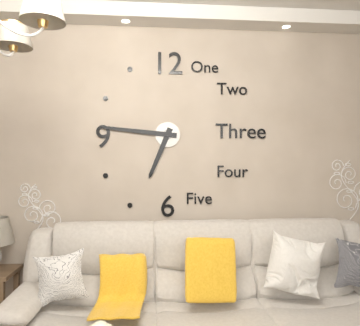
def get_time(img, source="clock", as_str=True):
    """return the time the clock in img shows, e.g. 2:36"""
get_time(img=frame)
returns 6:46
